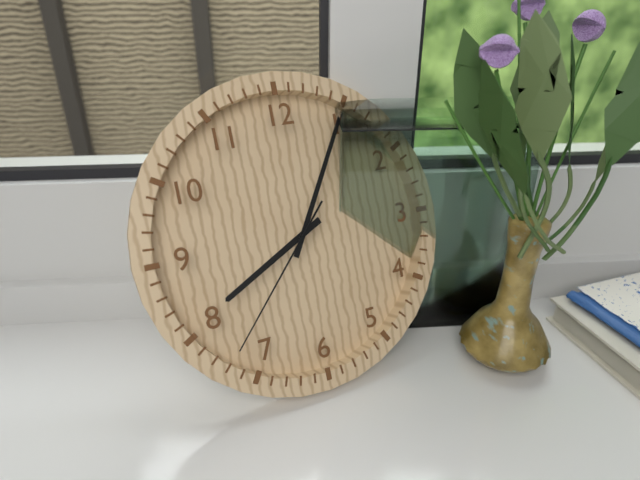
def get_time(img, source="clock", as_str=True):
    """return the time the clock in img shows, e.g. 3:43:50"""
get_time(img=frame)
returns 8:05:37
